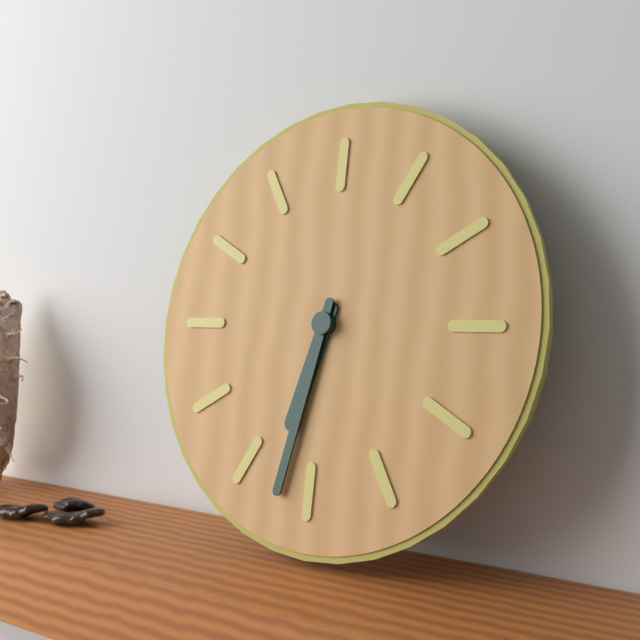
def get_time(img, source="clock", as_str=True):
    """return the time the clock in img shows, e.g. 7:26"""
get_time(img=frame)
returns 6:32
